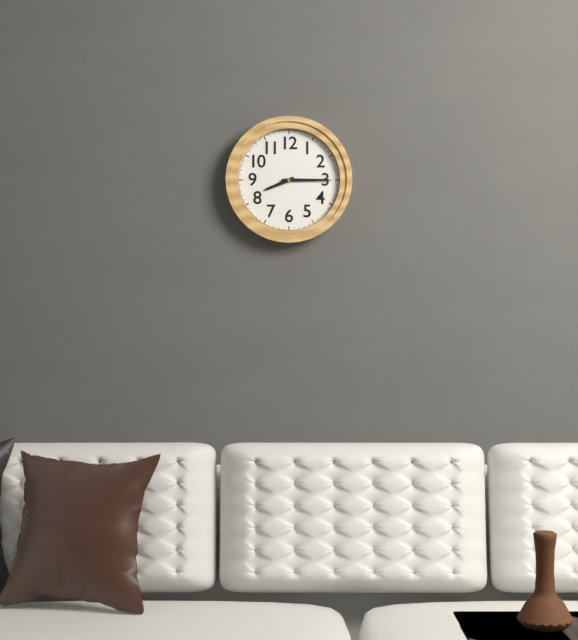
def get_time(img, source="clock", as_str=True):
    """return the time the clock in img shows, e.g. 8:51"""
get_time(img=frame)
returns 8:15
